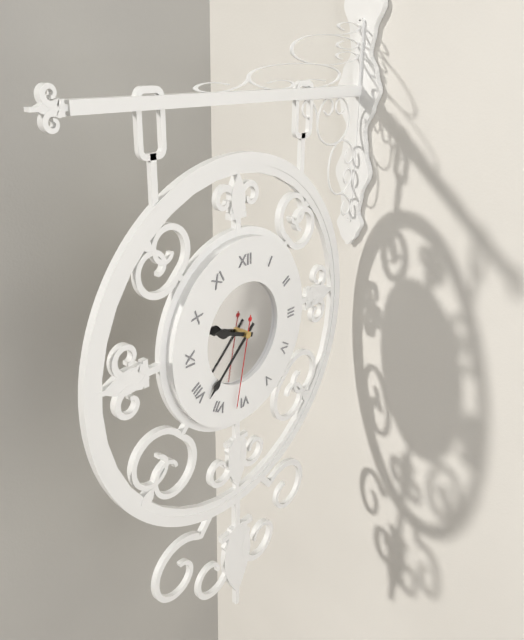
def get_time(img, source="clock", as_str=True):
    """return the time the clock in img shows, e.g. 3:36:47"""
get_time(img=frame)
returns 9:38:32
